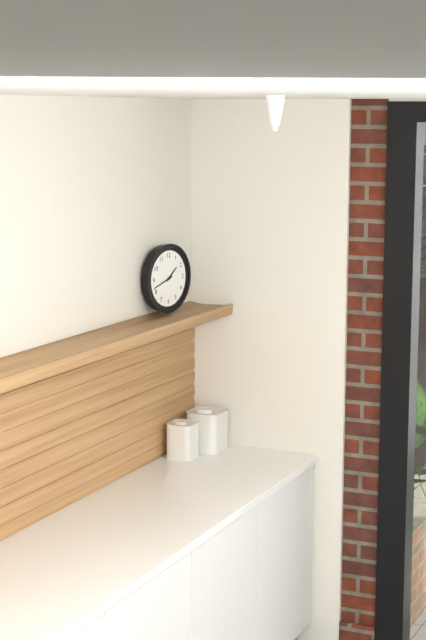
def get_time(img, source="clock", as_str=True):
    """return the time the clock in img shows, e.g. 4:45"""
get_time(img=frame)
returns 1:42
